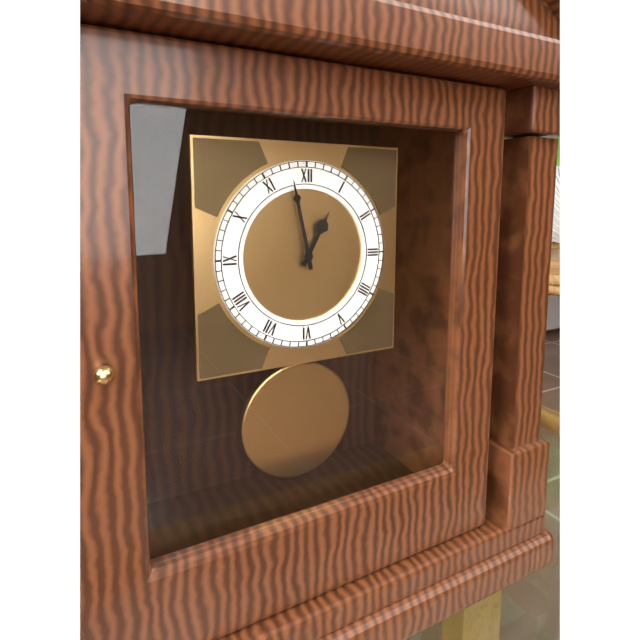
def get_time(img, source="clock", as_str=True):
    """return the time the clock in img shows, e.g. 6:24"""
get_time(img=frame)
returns 12:58
